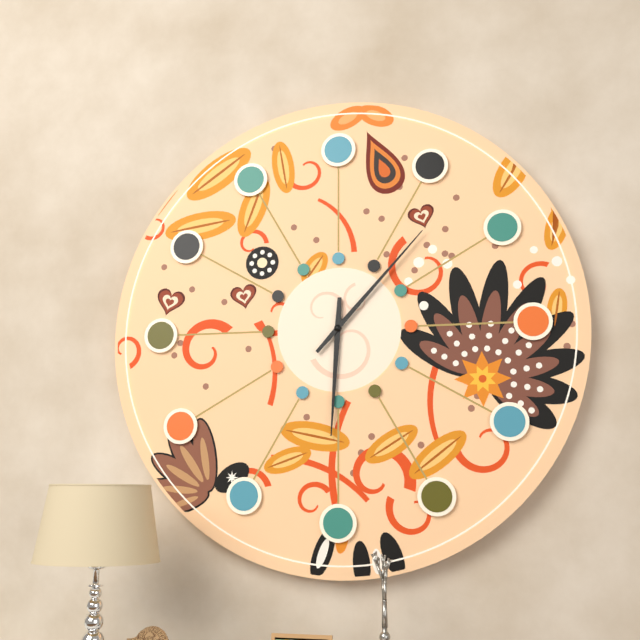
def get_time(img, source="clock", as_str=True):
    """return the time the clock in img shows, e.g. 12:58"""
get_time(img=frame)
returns 6:07
